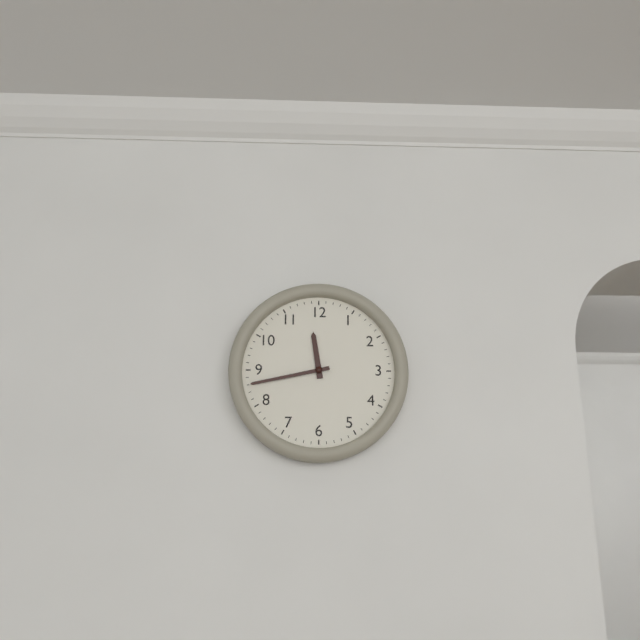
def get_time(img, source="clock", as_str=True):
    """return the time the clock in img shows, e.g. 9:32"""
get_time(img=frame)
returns 11:43
